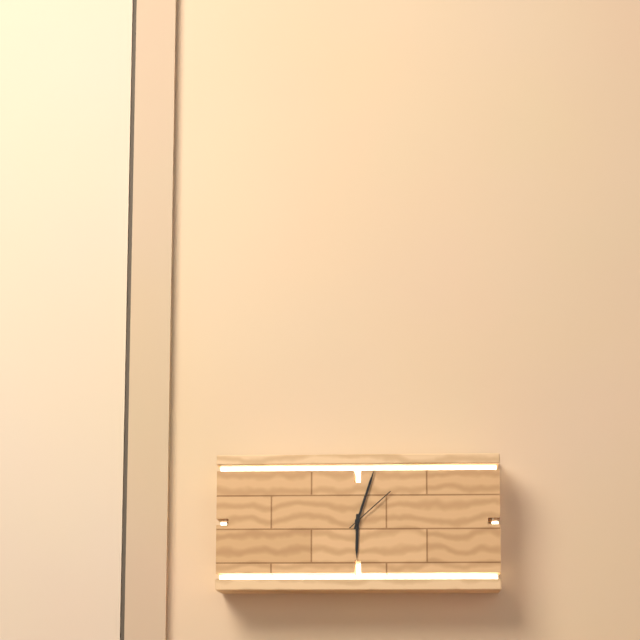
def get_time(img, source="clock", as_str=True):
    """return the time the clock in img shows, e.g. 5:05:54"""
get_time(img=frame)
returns 6:03:08
